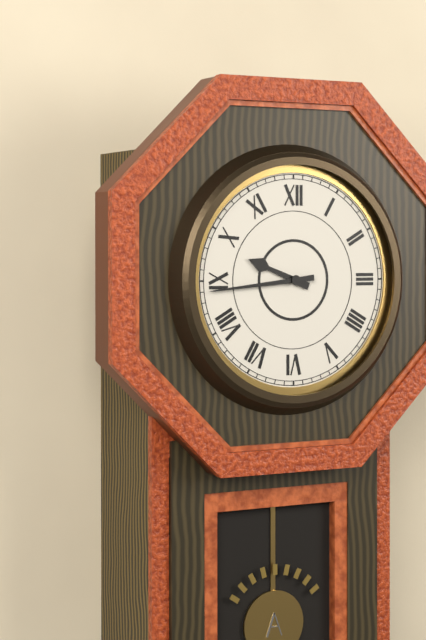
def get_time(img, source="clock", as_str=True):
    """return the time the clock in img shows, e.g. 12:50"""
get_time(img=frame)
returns 9:44
